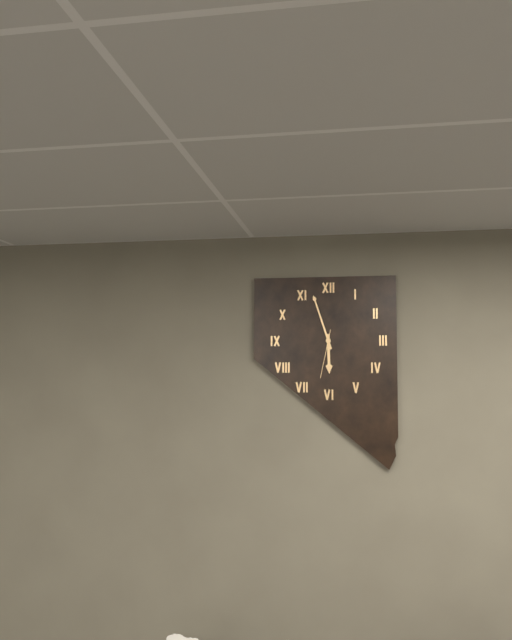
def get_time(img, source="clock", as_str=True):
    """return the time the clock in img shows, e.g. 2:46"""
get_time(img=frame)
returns 5:57
